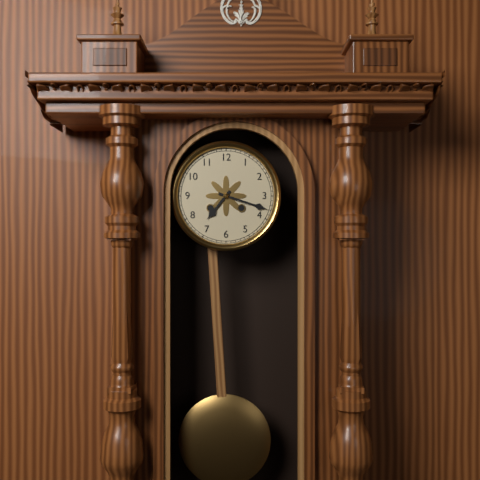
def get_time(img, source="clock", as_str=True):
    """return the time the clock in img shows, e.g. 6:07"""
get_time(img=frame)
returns 7:18
